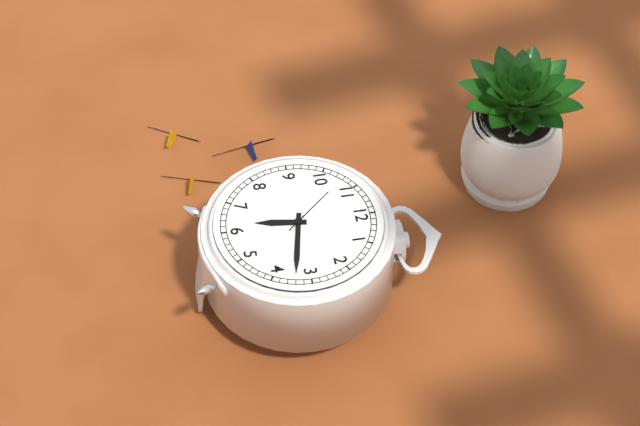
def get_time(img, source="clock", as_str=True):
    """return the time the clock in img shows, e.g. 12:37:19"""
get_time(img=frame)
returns 6:17:53
